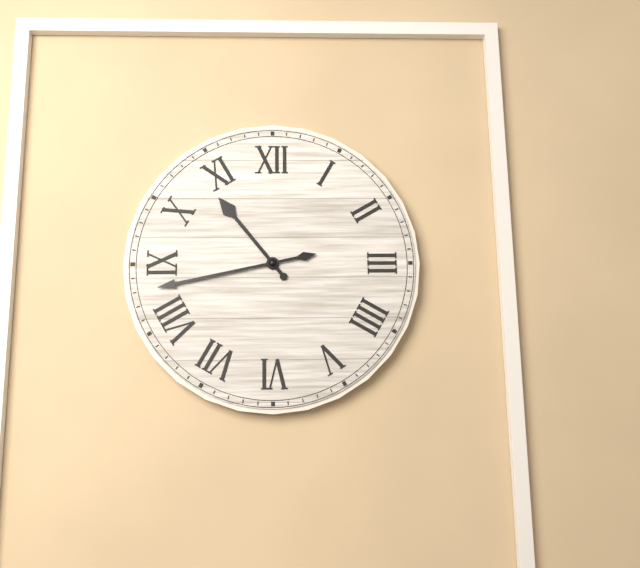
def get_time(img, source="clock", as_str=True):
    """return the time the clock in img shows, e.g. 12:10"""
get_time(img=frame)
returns 10:43
